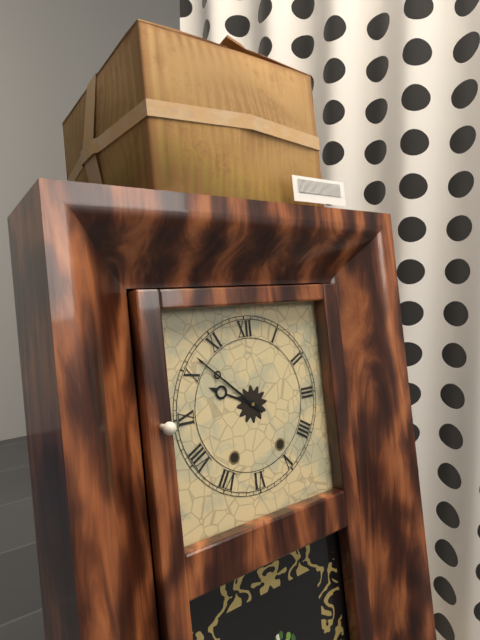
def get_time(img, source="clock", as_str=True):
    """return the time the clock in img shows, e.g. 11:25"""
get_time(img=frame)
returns 9:52
